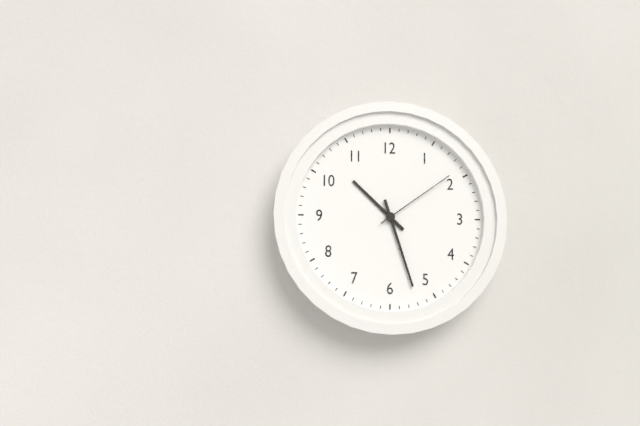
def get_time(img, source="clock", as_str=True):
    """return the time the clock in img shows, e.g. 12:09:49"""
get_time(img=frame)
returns 10:27:09
